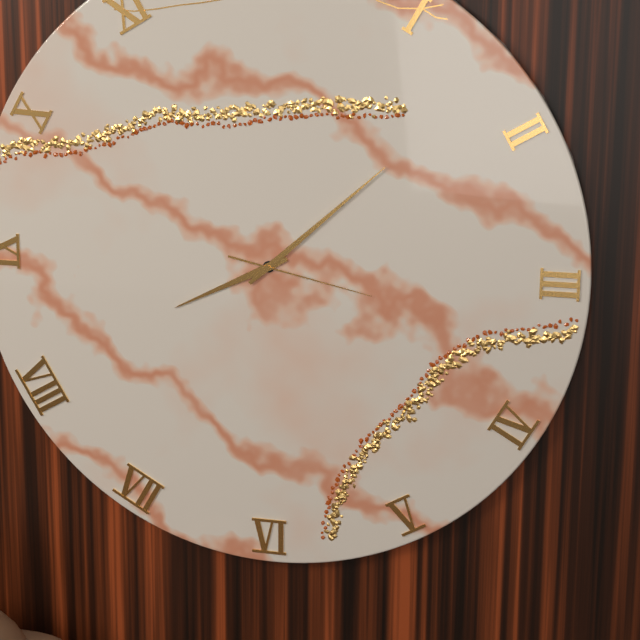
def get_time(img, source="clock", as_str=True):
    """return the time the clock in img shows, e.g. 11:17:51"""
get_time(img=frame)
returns 8:08:17
